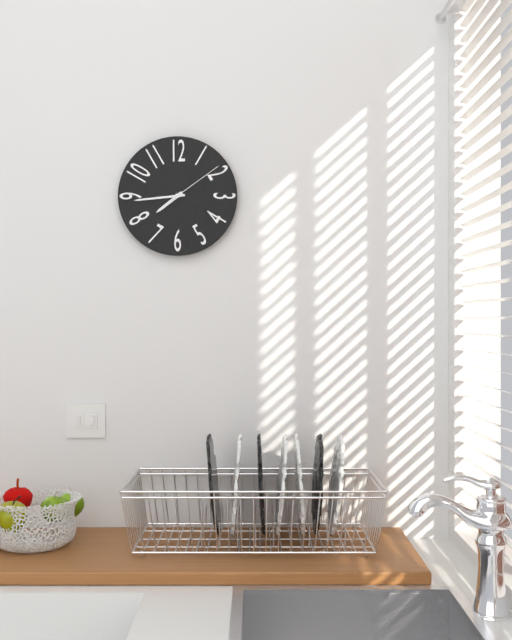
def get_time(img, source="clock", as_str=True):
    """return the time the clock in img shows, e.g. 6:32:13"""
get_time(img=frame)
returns 7:44:09
